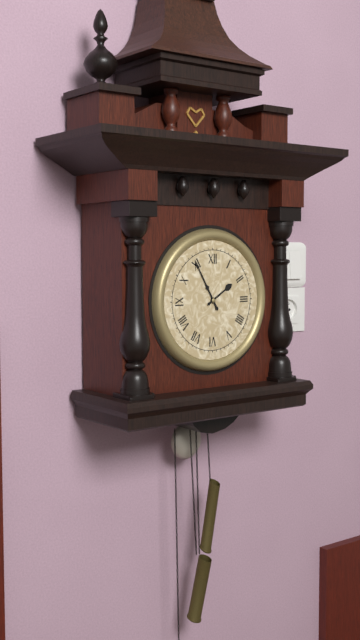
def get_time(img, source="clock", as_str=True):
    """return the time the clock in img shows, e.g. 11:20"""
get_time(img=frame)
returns 1:55
